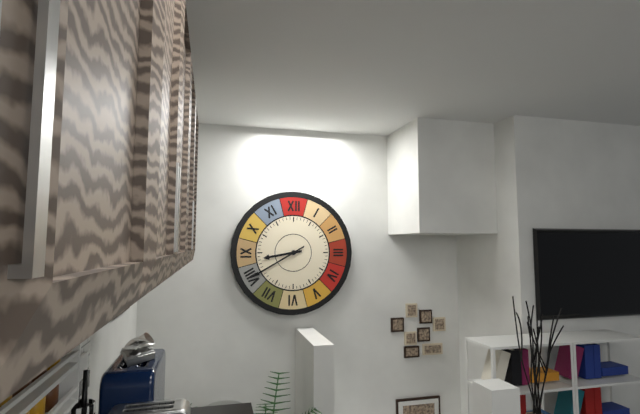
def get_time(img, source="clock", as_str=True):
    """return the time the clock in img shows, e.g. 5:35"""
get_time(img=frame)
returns 8:40
